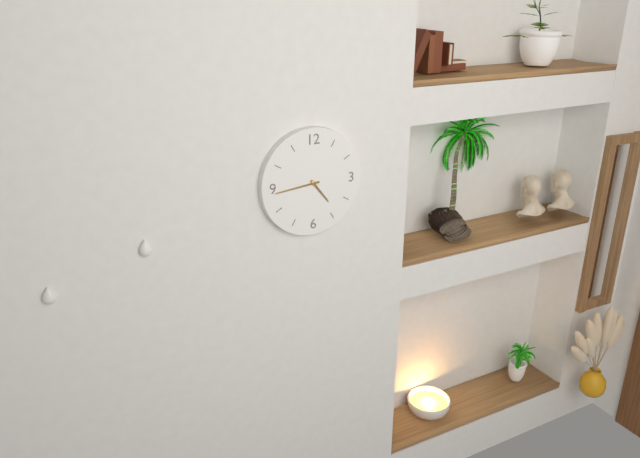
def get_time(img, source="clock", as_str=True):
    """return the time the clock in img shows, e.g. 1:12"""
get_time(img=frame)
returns 4:44
